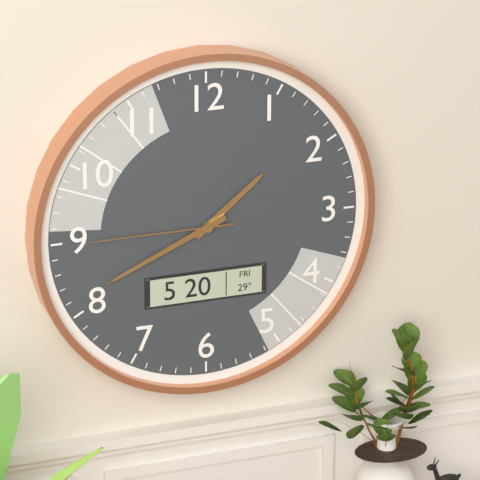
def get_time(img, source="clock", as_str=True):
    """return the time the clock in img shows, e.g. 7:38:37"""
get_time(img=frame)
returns 1:41:45
